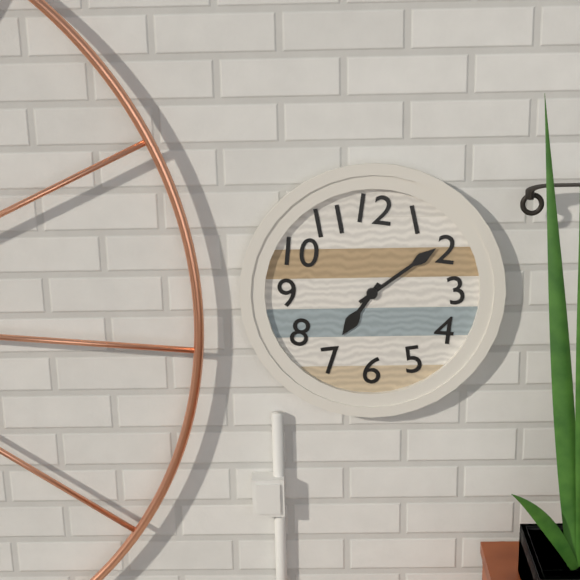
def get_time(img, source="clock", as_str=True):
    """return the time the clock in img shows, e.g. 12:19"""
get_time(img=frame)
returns 7:09
